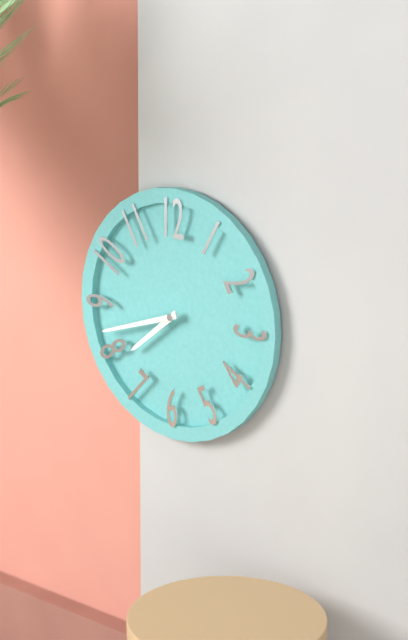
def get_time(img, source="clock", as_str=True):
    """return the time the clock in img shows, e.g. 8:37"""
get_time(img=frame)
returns 7:42
